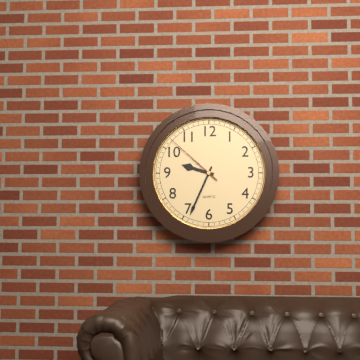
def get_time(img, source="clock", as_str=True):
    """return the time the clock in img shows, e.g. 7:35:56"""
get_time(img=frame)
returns 9:34:52
